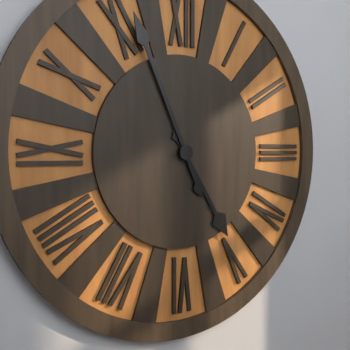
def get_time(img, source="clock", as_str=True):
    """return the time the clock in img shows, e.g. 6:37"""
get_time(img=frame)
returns 4:56
